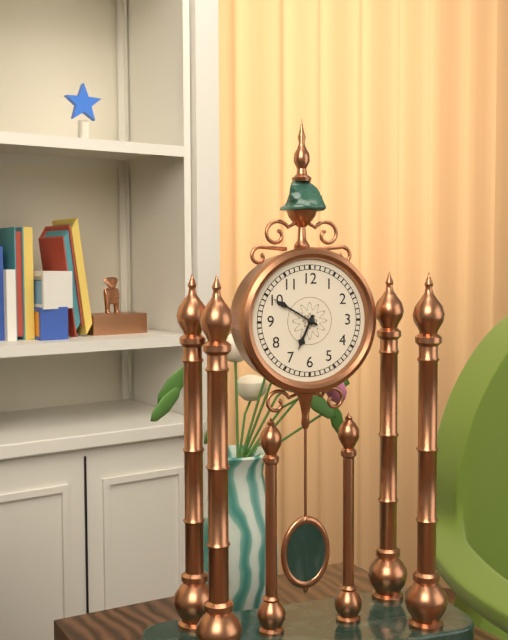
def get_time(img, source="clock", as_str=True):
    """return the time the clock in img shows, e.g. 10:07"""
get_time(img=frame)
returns 6:50
